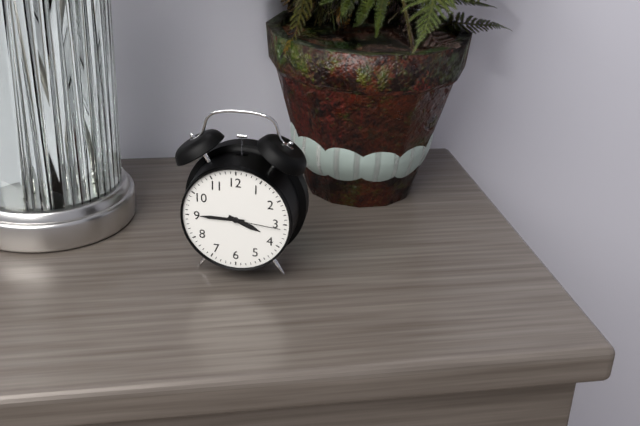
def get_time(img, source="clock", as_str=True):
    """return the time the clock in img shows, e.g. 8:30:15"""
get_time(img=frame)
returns 3:45:16
